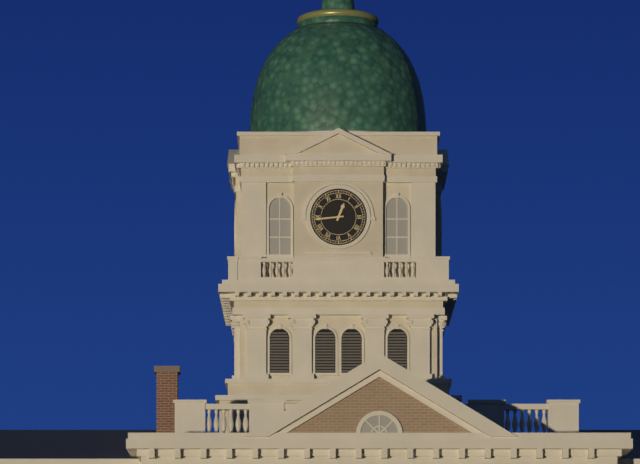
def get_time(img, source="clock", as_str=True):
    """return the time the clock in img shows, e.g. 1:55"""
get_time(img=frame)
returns 12:44
